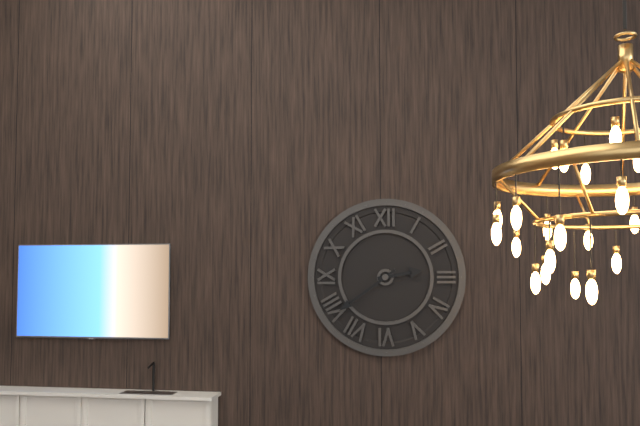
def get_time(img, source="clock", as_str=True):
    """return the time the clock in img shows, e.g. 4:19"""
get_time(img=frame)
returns 2:39
